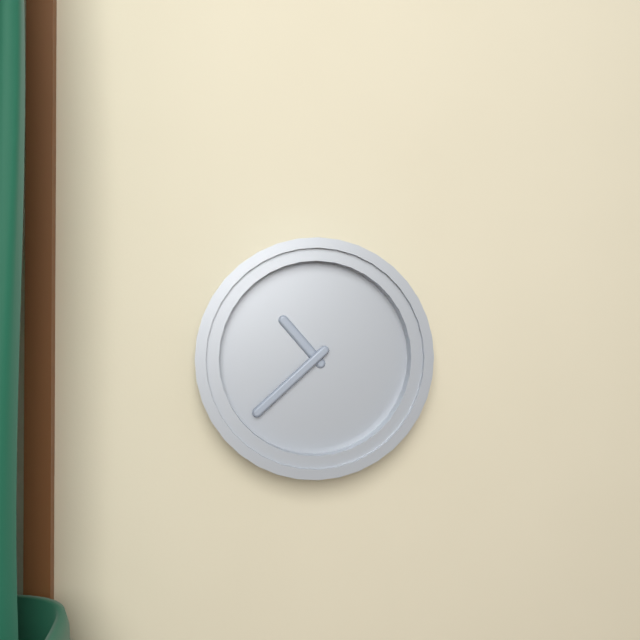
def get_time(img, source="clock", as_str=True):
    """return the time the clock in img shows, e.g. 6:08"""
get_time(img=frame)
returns 10:38
